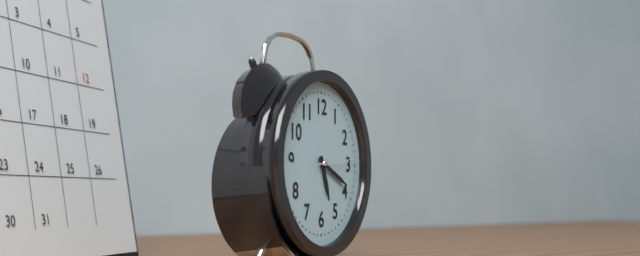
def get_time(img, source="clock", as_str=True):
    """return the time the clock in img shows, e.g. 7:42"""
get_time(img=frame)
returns 5:19
